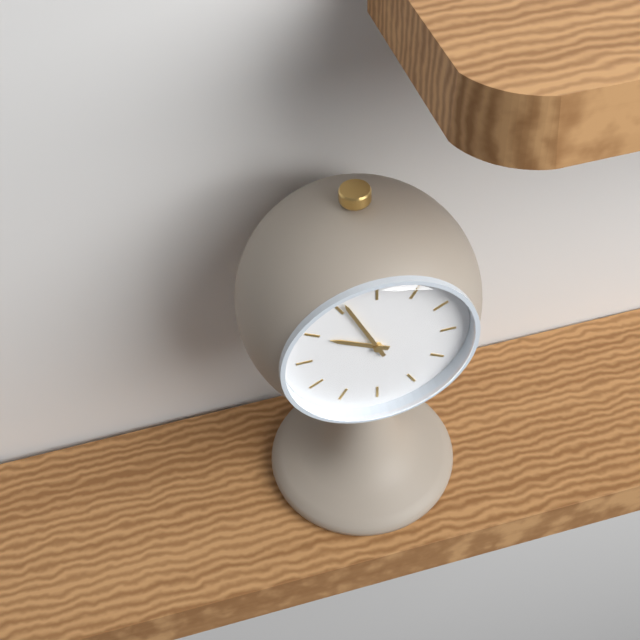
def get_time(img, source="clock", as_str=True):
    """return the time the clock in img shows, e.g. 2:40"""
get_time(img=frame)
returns 9:56
